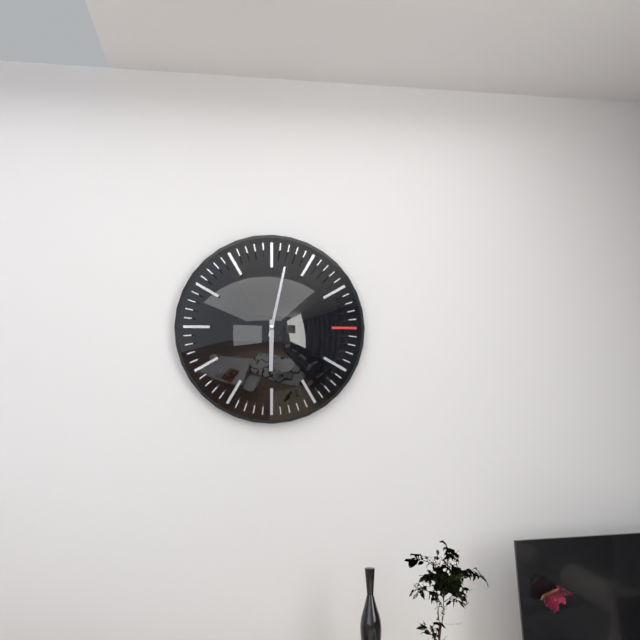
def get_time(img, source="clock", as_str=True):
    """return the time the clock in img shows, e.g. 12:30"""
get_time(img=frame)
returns 6:02
